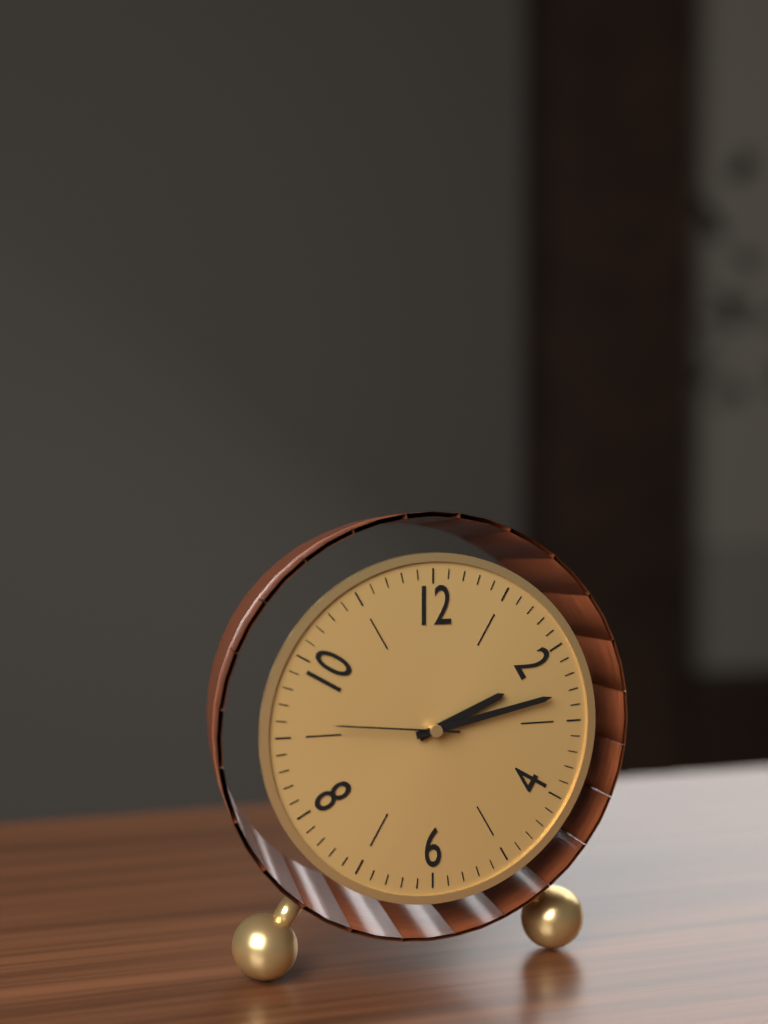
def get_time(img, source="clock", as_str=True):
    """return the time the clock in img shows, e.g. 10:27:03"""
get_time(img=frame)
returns 2:13:46
